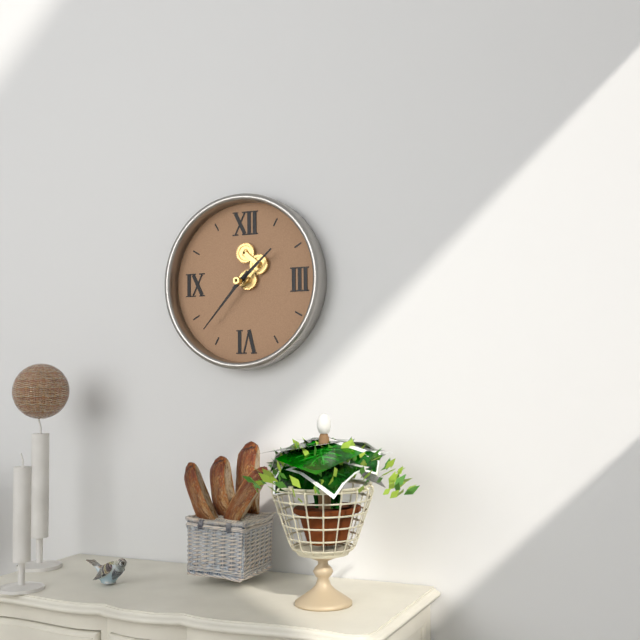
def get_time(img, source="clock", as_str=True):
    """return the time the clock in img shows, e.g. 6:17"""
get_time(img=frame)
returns 1:37
